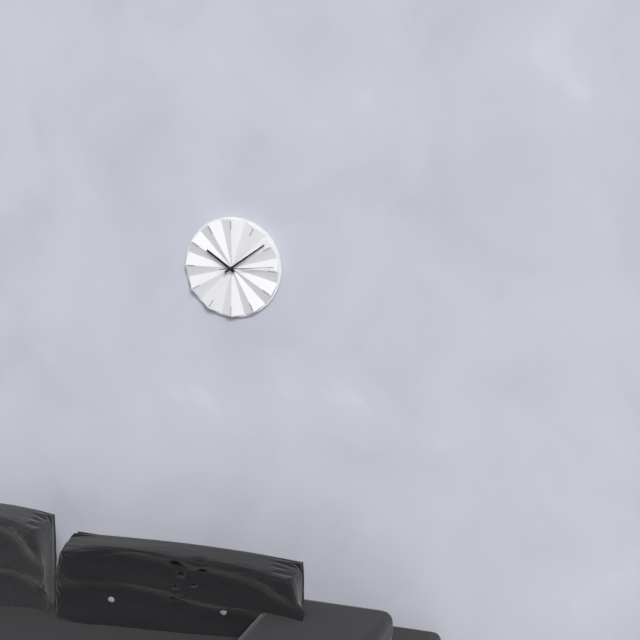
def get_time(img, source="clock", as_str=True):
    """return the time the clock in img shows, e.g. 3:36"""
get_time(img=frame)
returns 10:09
